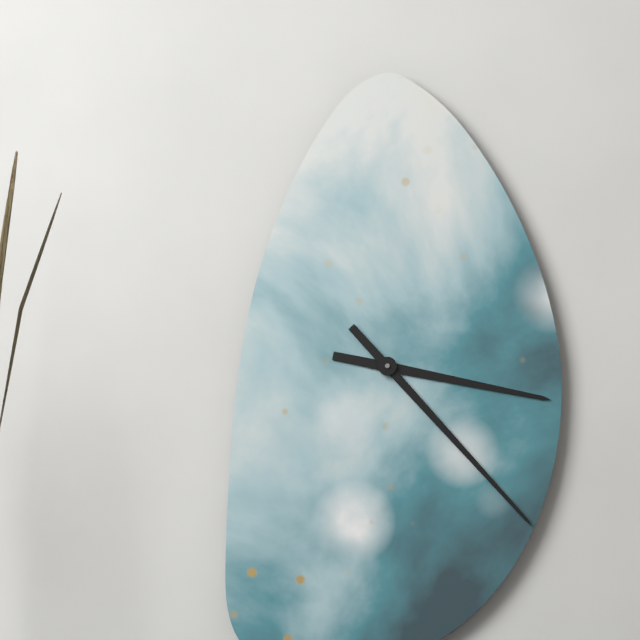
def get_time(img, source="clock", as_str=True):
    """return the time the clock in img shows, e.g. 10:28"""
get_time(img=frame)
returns 3:23
